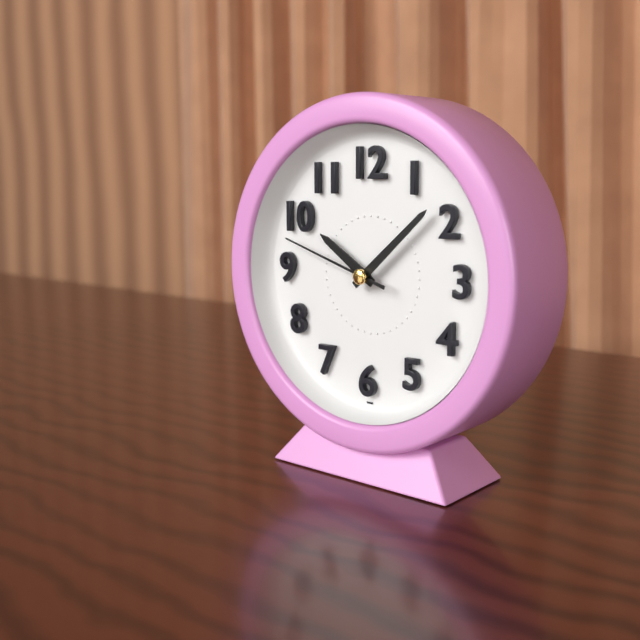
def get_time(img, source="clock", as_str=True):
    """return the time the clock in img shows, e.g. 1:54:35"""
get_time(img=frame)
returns 10:08:48
